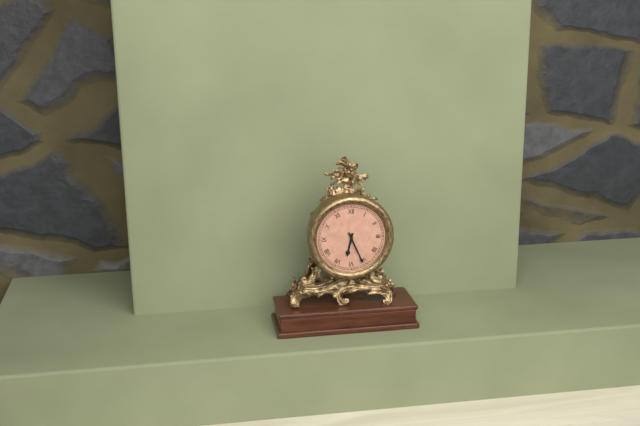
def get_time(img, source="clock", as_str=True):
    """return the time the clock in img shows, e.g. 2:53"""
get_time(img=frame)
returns 6:26
